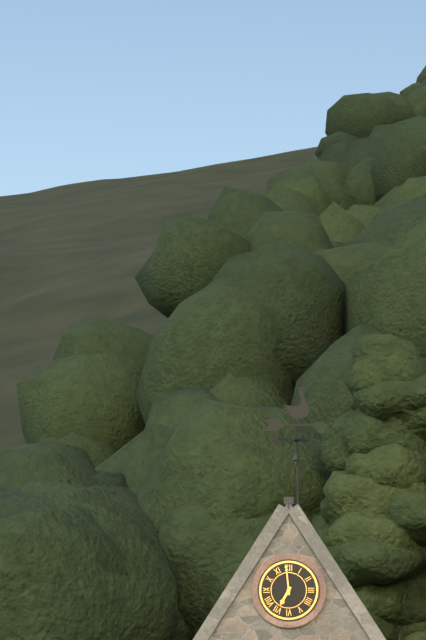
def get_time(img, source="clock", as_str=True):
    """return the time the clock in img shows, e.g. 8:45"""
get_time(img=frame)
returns 6:59
